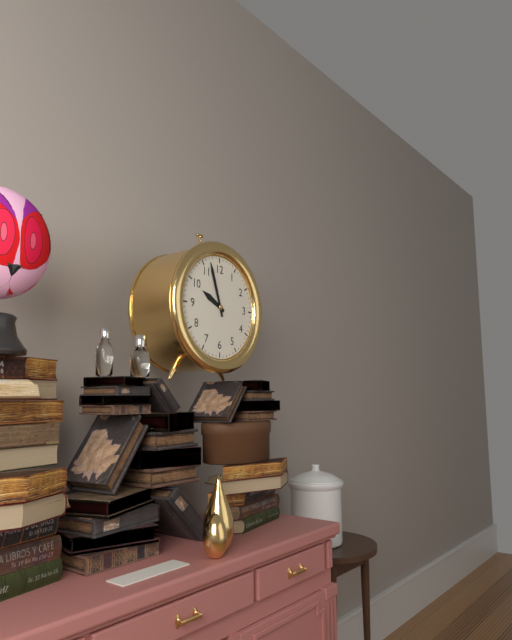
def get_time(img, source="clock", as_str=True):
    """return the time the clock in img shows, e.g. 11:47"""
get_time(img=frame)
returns 9:57
